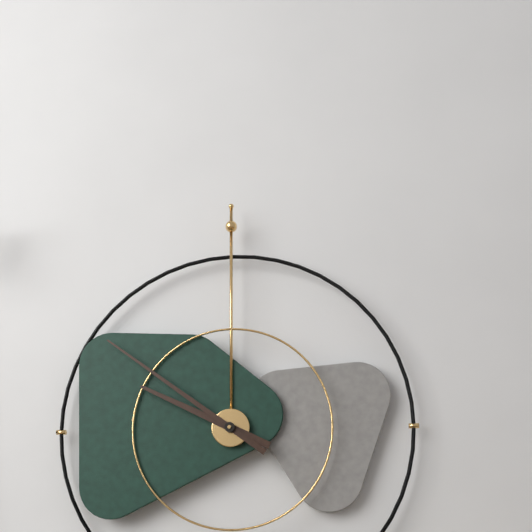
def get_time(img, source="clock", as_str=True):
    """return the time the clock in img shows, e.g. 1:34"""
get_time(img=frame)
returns 9:51
